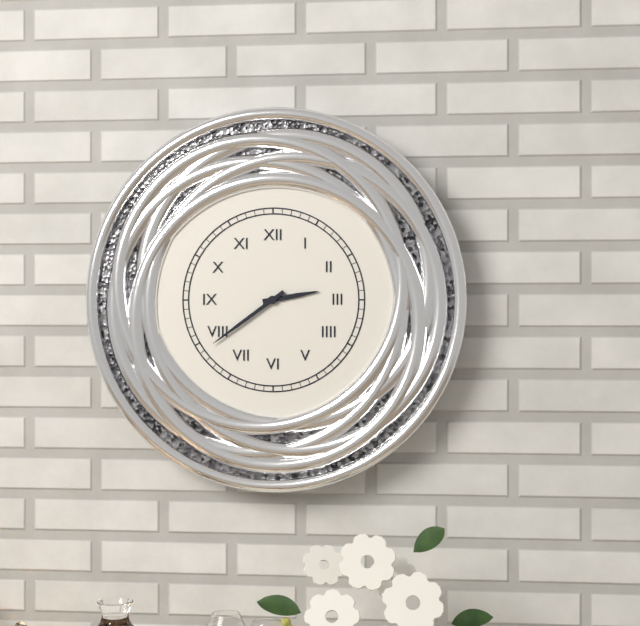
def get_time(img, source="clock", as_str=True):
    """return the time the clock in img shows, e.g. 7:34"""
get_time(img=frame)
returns 2:39
